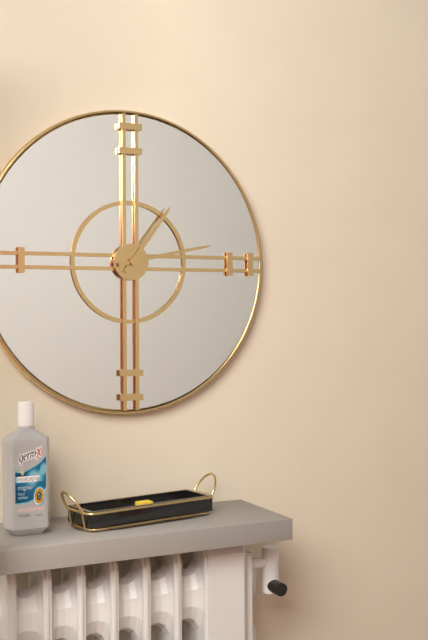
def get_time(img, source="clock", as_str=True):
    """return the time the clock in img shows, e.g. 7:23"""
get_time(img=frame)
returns 1:13
